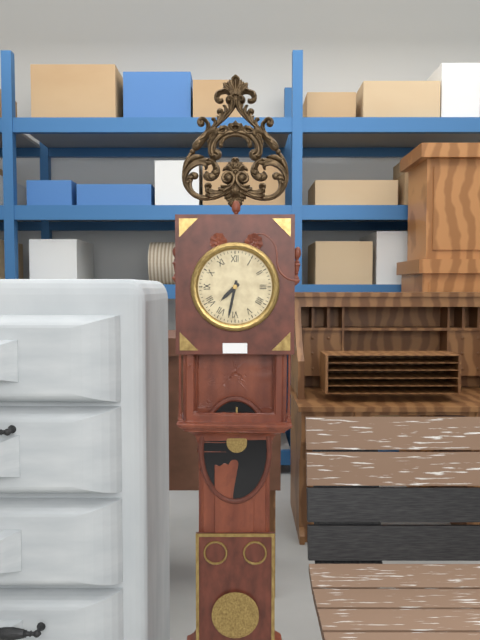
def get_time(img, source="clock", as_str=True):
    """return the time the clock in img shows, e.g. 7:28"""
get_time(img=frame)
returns 7:32
